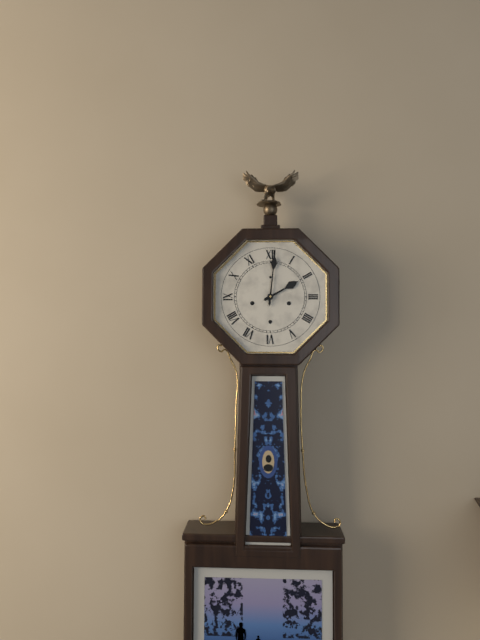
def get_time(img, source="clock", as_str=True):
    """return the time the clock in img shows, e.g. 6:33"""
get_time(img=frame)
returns 2:01
